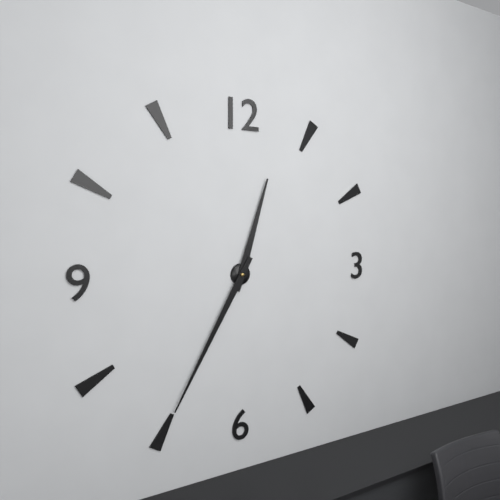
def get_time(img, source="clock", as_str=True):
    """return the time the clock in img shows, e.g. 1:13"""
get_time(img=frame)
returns 12:35
